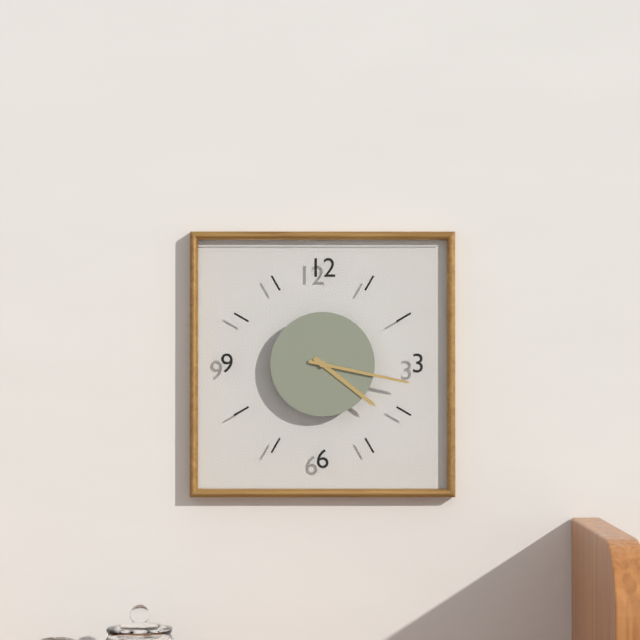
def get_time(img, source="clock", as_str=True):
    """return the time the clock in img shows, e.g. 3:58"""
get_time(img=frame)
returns 4:17
